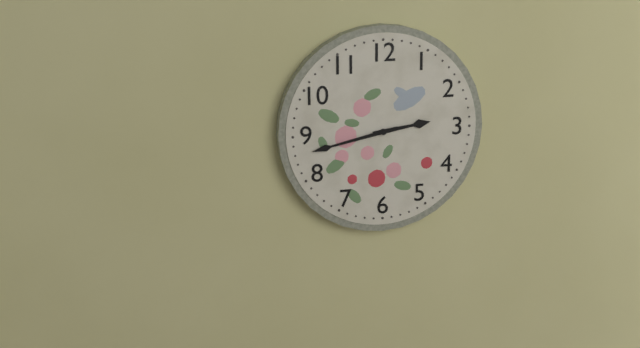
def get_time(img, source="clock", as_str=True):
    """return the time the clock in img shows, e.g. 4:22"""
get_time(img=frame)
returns 2:43
